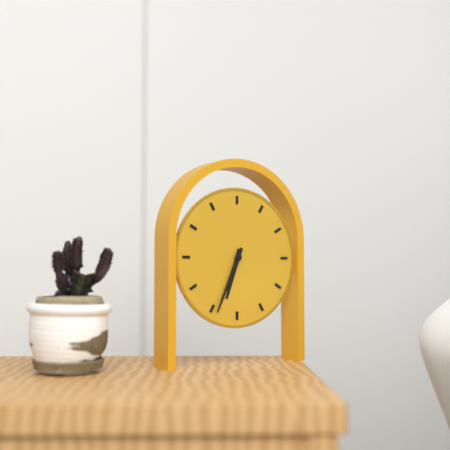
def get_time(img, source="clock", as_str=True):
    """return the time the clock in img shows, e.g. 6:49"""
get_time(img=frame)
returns 6:34
